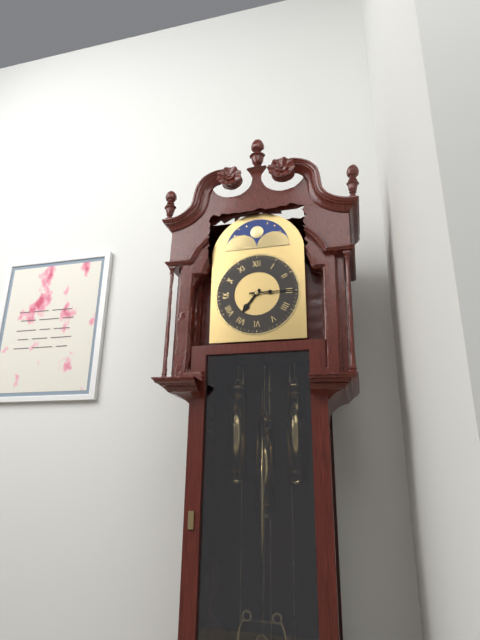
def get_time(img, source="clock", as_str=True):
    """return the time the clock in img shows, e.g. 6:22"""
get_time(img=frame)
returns 7:15
